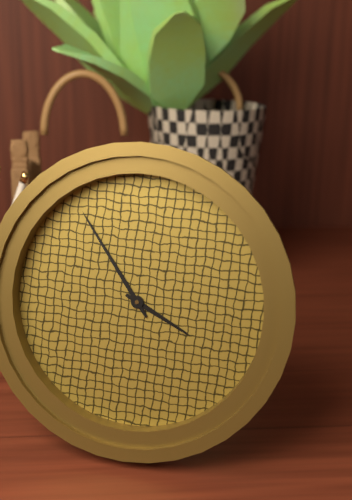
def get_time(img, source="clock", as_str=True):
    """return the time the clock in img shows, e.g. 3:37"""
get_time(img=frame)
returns 3:54
